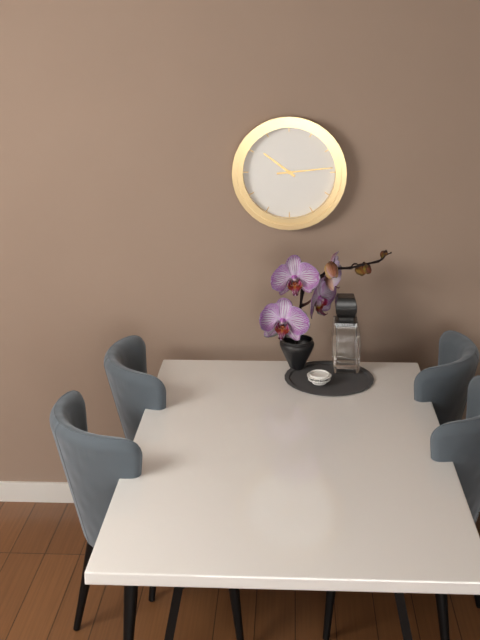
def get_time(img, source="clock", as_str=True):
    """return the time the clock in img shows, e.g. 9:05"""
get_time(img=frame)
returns 10:14
